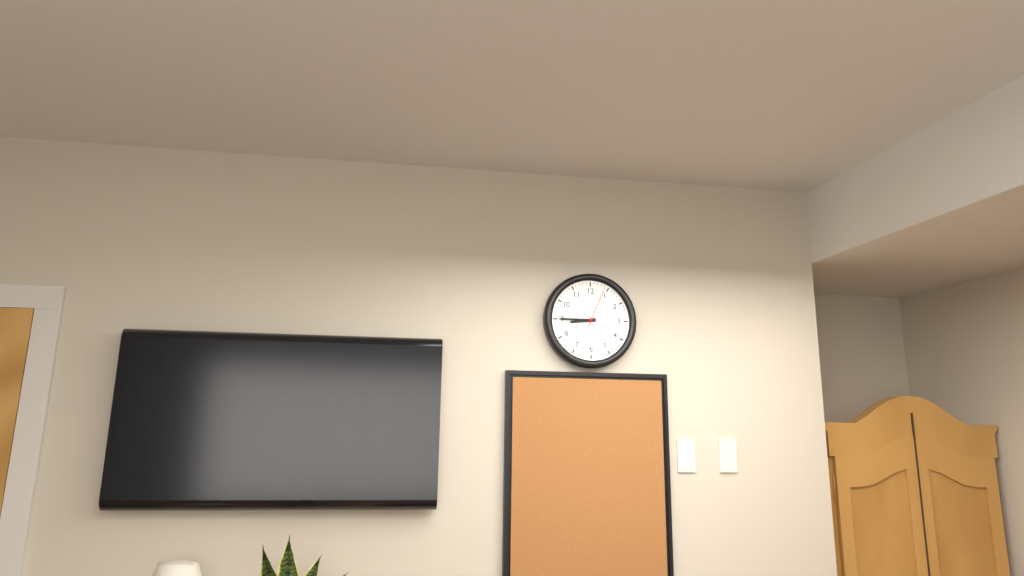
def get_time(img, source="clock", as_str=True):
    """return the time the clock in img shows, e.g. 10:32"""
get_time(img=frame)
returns 8:45
